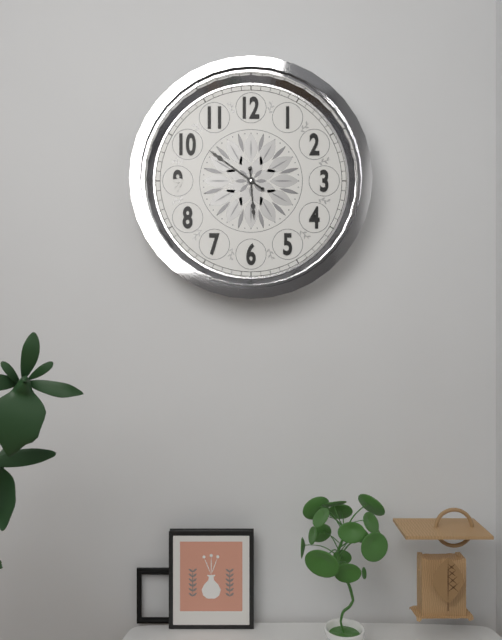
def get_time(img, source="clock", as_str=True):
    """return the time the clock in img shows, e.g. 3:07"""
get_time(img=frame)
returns 5:51
